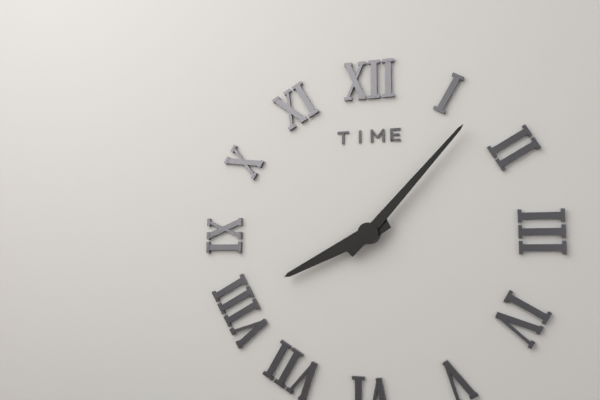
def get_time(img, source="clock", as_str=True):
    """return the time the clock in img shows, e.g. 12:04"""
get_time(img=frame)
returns 8:07
